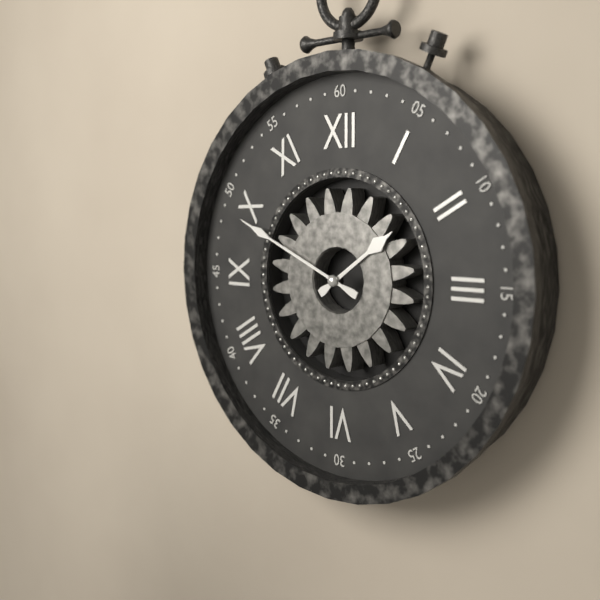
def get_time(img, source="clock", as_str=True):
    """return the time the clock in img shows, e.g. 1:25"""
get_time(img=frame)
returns 1:49
